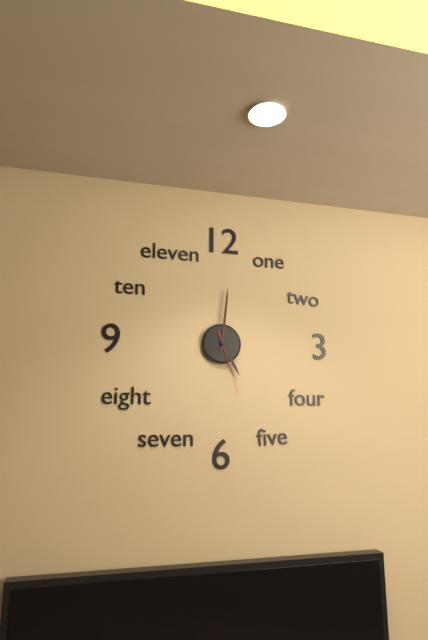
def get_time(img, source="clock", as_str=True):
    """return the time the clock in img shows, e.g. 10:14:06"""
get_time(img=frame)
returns 5:01:27
